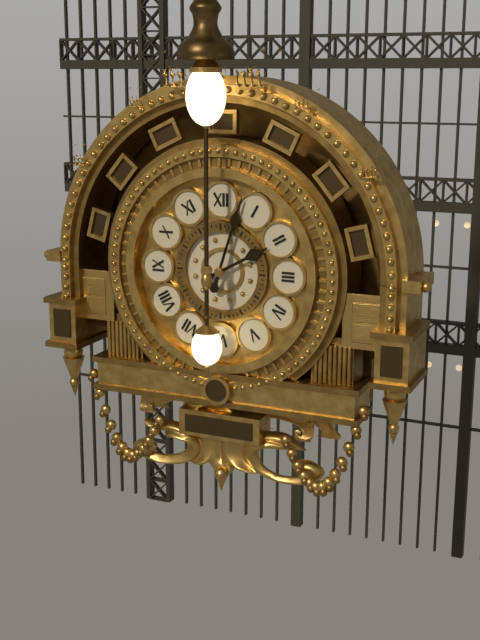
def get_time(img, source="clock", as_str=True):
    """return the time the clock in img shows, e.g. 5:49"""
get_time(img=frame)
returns 2:03
